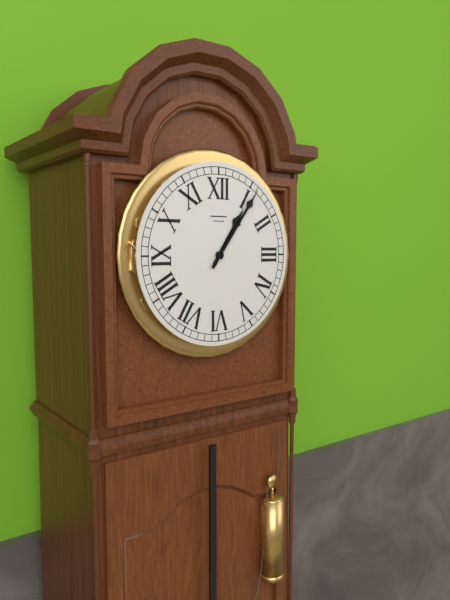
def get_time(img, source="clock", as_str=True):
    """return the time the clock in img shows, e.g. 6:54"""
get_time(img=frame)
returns 1:06
